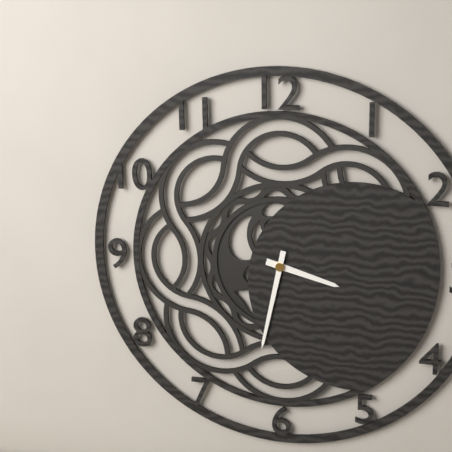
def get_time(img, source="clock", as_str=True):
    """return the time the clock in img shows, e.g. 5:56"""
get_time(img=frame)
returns 3:32
